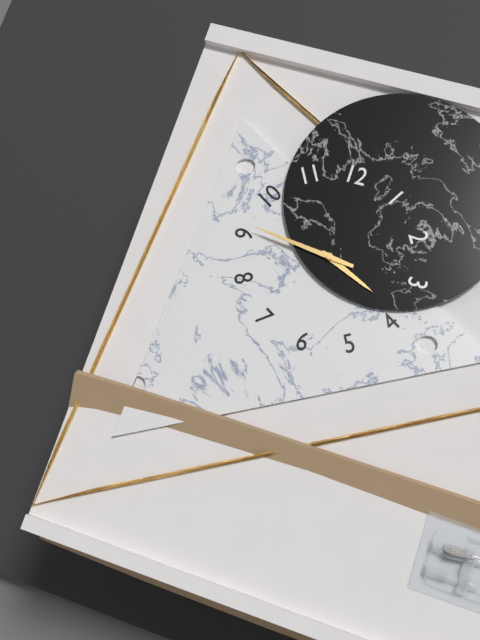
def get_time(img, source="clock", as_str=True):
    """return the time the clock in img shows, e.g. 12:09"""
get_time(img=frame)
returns 3:46
